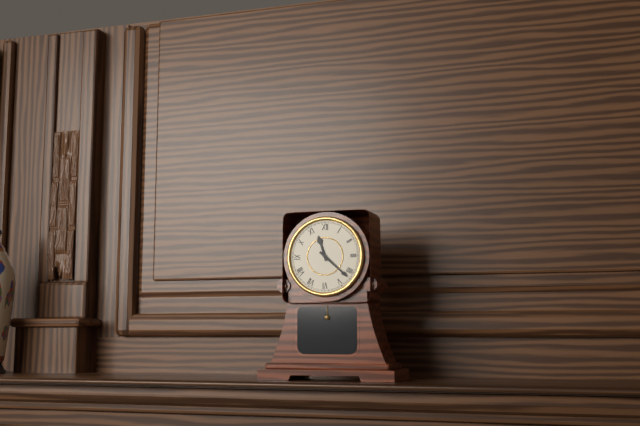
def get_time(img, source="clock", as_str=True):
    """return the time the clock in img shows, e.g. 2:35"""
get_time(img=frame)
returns 11:22
